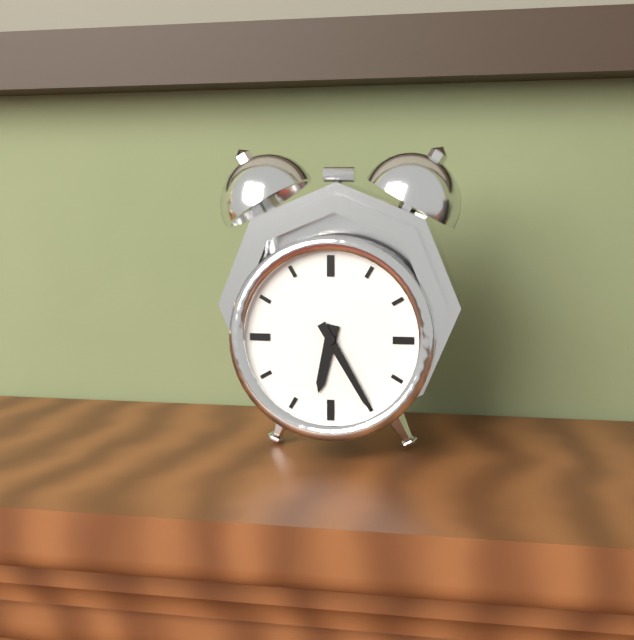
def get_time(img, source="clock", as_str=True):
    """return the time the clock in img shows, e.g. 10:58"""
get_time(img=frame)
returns 6:25
